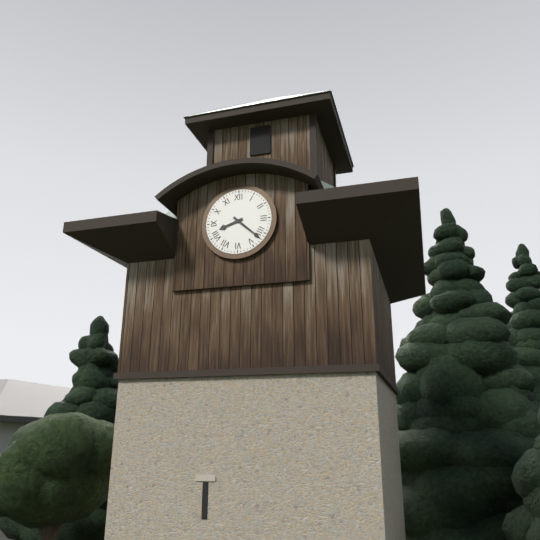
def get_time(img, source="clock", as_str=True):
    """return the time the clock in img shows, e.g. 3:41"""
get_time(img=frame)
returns 8:22
